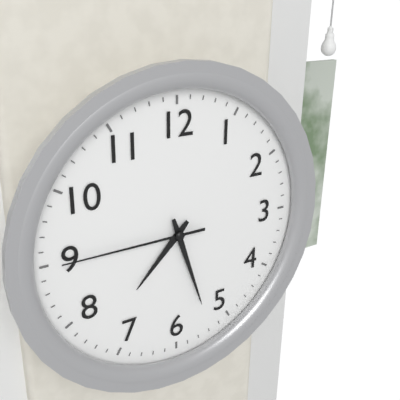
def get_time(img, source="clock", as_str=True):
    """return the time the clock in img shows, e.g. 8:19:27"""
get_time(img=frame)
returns 7:27:45
